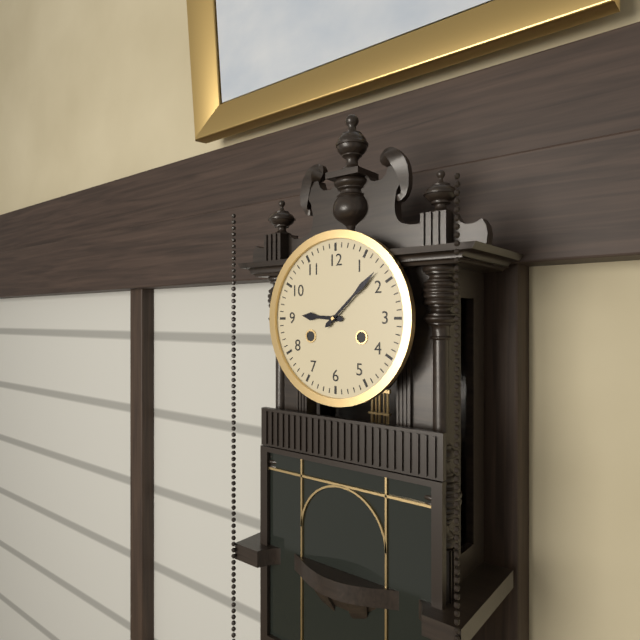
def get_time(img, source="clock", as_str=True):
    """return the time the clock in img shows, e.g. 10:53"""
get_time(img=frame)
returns 9:08
